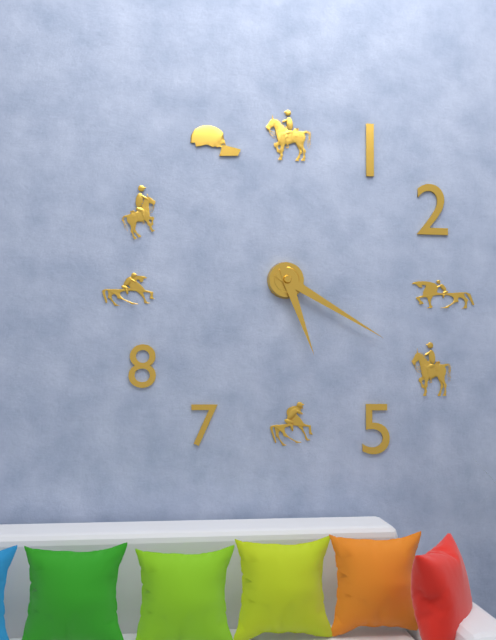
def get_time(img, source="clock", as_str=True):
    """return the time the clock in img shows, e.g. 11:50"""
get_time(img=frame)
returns 5:20
